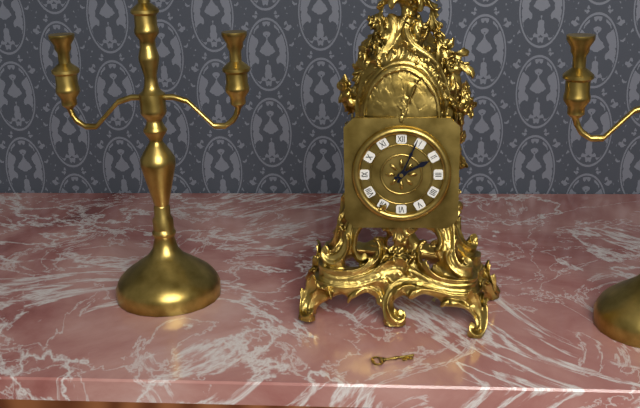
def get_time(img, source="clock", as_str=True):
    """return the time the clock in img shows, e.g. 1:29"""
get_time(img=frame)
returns 2:04
